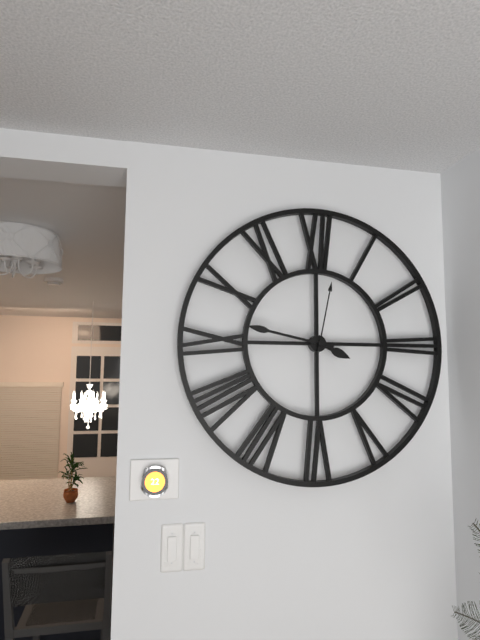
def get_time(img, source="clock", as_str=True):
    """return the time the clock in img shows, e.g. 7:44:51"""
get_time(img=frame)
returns 3:47:02
